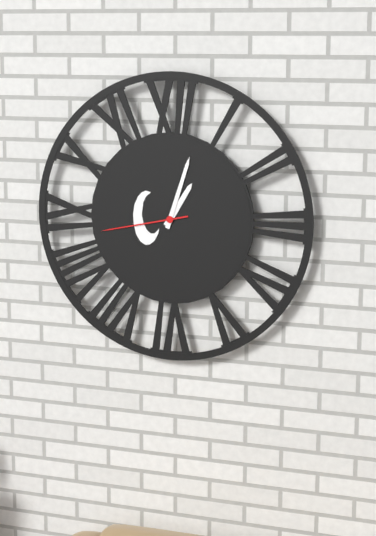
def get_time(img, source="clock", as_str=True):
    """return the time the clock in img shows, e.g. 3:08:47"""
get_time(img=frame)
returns 1:03:43
